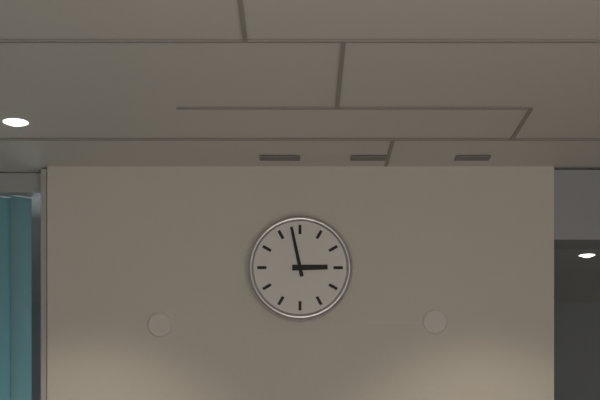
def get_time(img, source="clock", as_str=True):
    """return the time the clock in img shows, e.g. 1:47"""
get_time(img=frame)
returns 2:58
